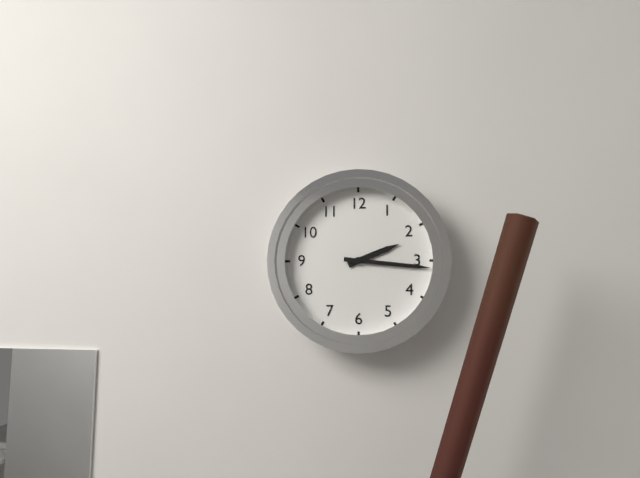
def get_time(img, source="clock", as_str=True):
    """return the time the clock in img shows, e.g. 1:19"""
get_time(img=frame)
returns 2:16
